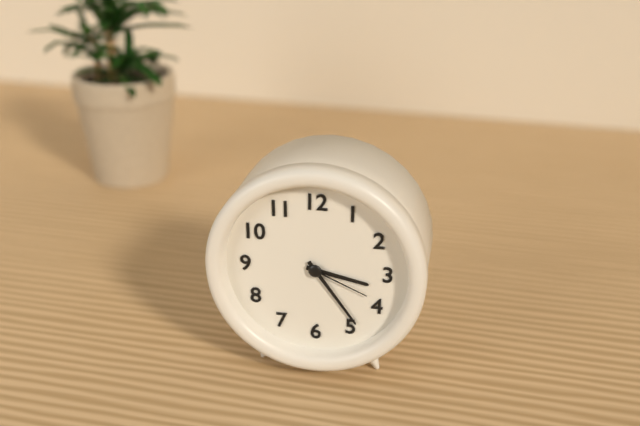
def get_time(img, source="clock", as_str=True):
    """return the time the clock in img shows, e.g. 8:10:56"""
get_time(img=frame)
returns 3:24:19
